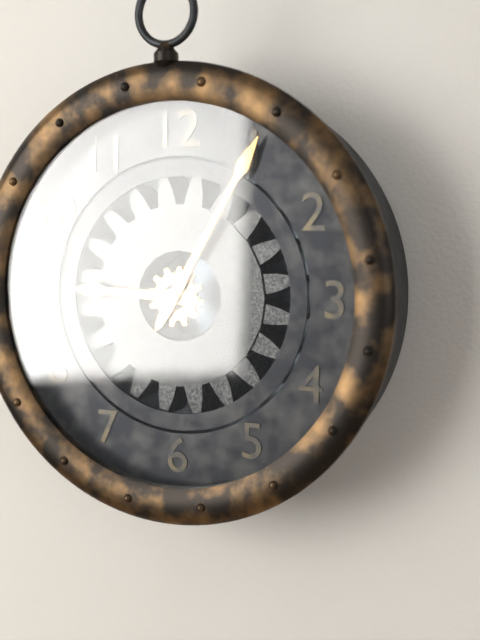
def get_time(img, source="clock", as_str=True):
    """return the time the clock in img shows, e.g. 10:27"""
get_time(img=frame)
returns 9:05
